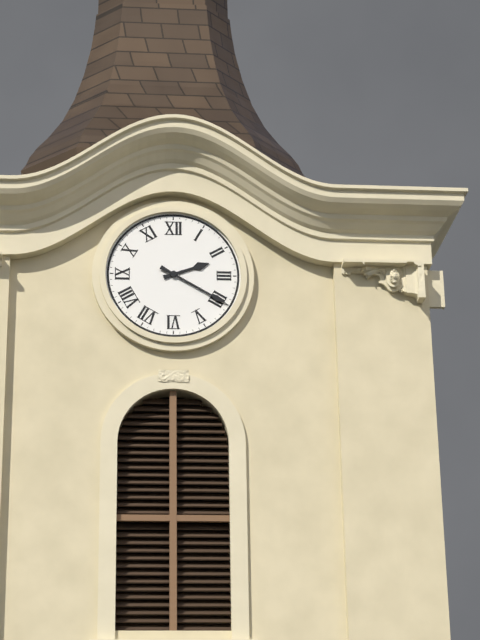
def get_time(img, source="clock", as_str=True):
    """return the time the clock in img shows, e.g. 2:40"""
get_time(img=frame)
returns 2:20
